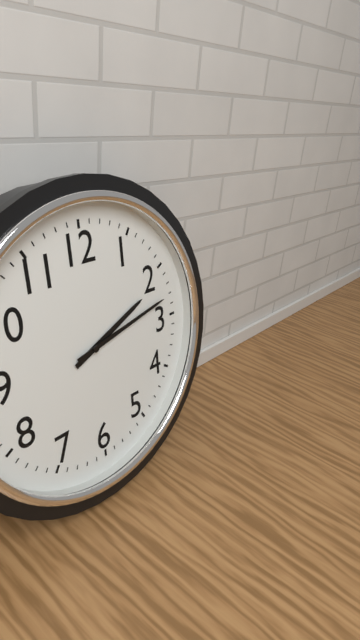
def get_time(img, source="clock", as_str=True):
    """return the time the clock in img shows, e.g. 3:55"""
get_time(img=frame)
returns 2:13
